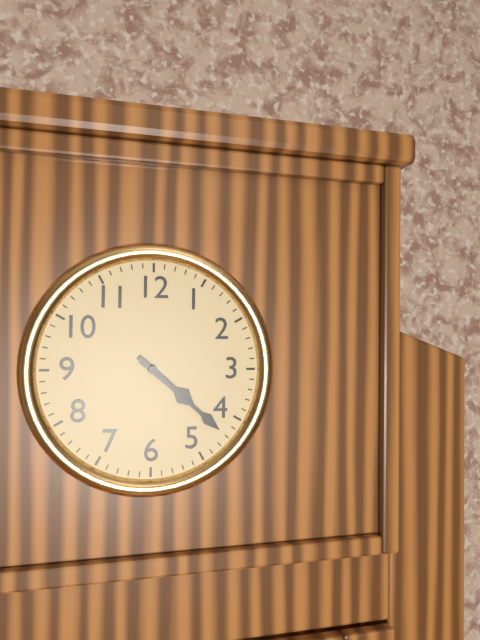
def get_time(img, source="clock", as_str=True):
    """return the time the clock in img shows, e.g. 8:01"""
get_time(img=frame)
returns 4:22
